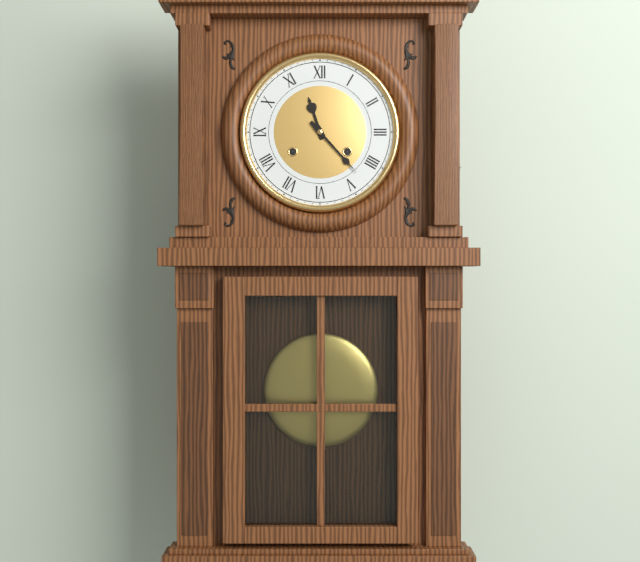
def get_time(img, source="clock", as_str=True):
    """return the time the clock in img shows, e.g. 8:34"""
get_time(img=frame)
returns 11:23
